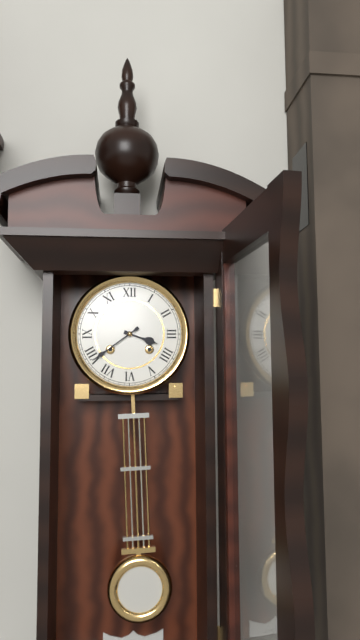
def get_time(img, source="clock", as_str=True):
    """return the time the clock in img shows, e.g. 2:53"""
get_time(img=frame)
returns 3:39
